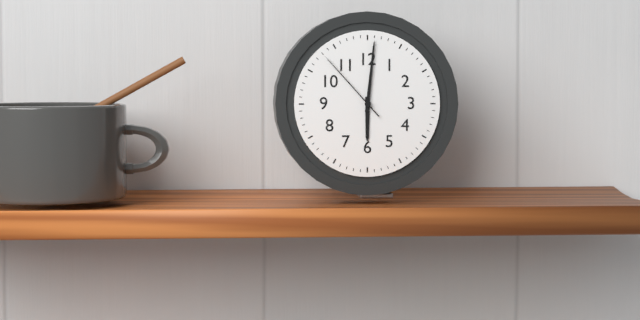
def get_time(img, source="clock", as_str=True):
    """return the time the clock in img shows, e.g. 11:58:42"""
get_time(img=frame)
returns 6:01:53
